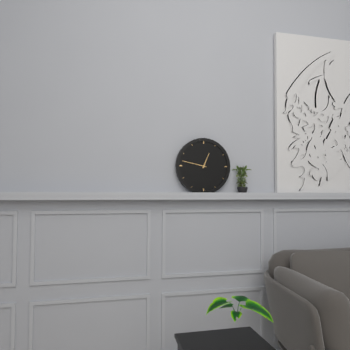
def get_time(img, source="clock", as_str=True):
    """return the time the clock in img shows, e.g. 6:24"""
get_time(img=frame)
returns 12:47
